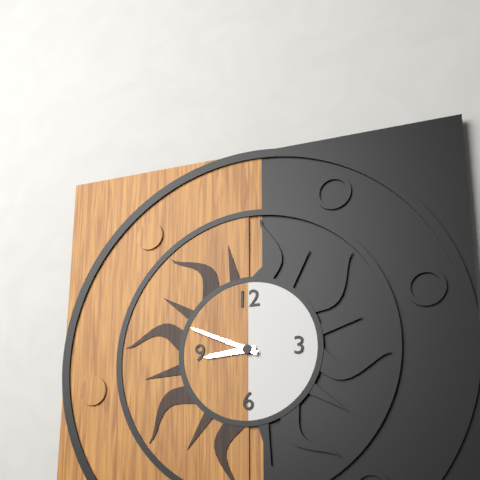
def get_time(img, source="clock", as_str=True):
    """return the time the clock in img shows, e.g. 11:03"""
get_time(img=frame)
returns 8:49
